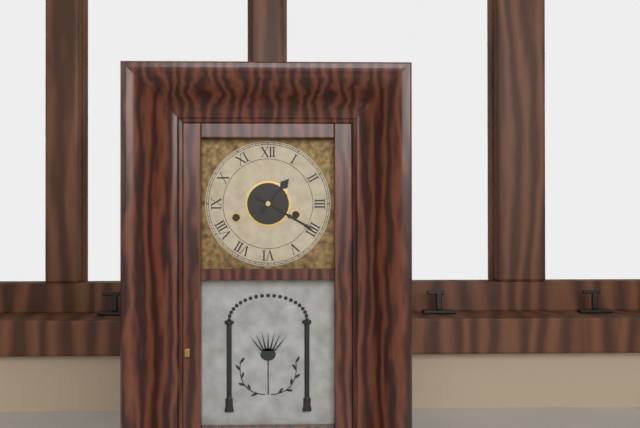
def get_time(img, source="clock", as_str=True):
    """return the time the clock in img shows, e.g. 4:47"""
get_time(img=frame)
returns 1:20
